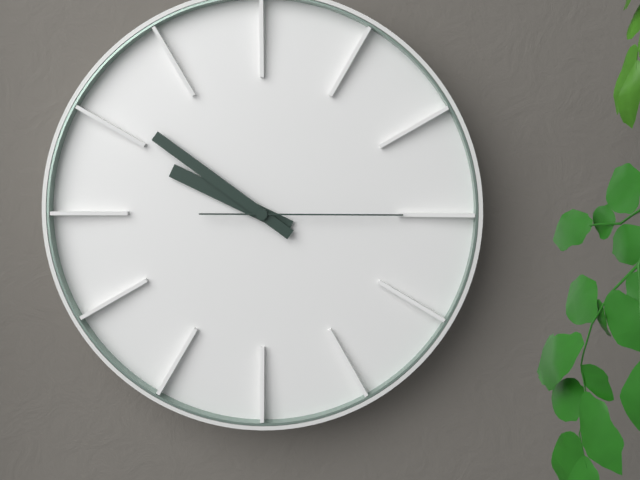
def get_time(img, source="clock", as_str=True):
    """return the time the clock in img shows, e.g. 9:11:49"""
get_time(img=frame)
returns 9:51:15
